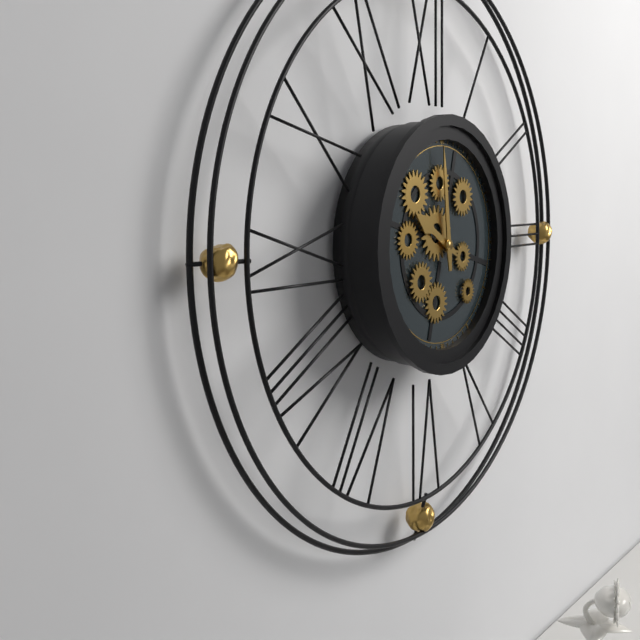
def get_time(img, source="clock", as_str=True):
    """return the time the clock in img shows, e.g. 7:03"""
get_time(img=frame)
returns 9:59
